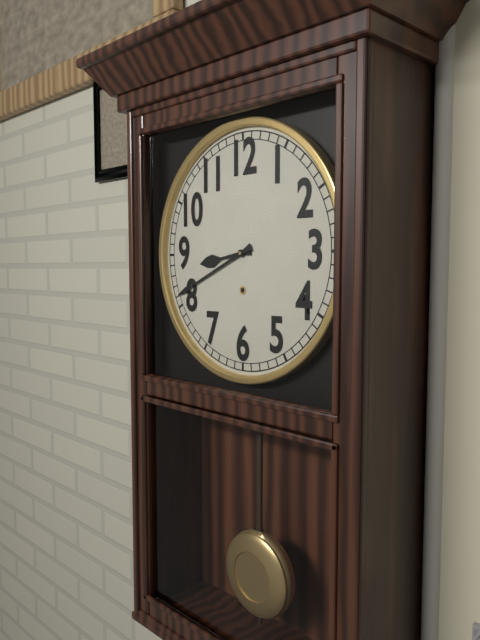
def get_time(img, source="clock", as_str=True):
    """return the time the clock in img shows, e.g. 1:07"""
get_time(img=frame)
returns 8:41
